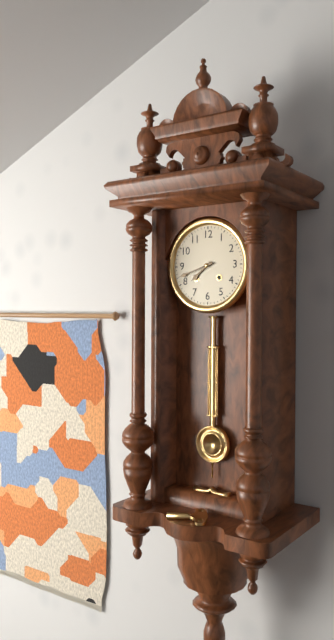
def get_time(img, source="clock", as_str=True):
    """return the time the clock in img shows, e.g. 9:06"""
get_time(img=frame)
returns 7:42
